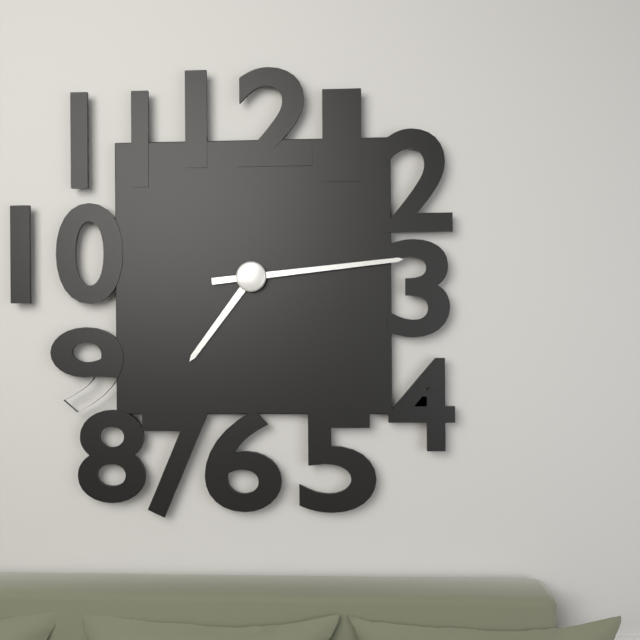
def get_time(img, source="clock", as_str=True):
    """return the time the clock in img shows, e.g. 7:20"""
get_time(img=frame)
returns 7:14
